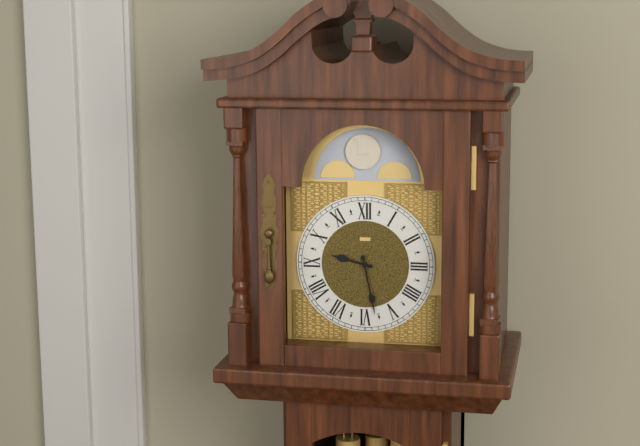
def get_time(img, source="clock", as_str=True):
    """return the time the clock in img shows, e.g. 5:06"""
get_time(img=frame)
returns 9:28
